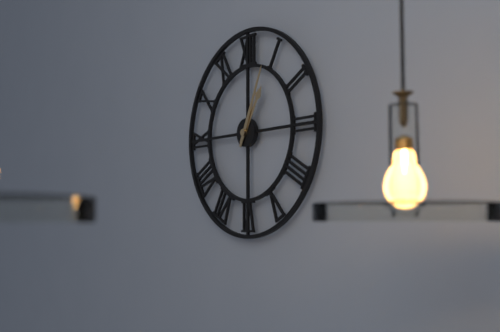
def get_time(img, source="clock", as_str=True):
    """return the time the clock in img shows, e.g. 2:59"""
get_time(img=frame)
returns 1:04
